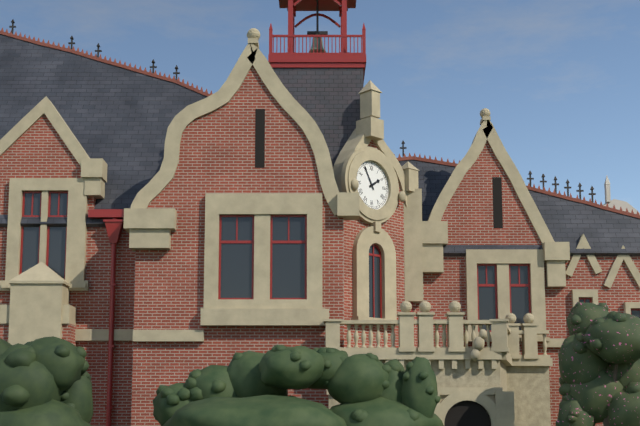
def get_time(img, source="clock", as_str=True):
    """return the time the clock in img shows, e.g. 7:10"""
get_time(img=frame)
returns 1:55
